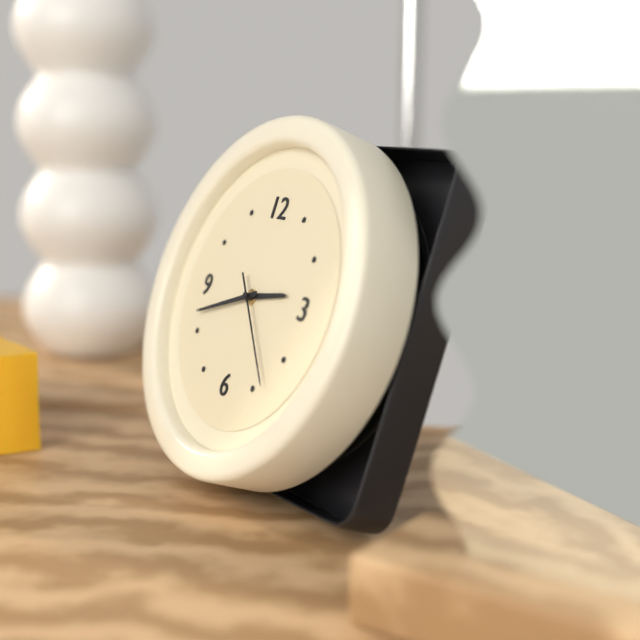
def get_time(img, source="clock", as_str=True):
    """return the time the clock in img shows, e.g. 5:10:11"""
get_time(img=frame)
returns 2:42:23
